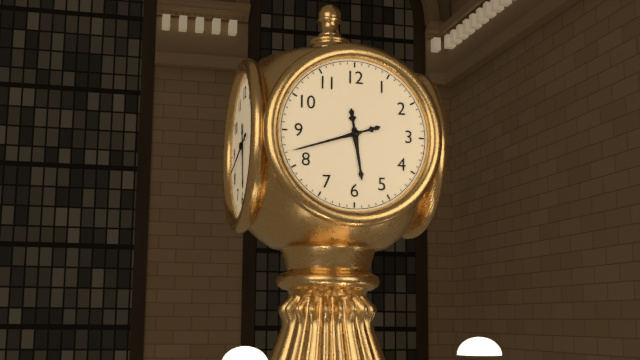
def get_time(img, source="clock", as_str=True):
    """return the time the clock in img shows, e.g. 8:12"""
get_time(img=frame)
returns 5:42
